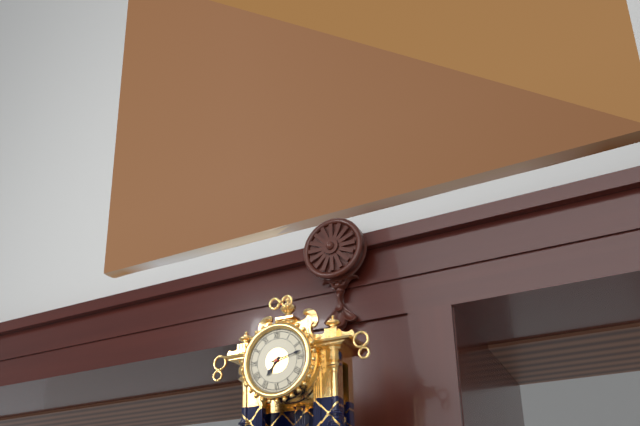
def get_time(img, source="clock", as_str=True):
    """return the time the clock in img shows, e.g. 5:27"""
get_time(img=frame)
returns 7:13
